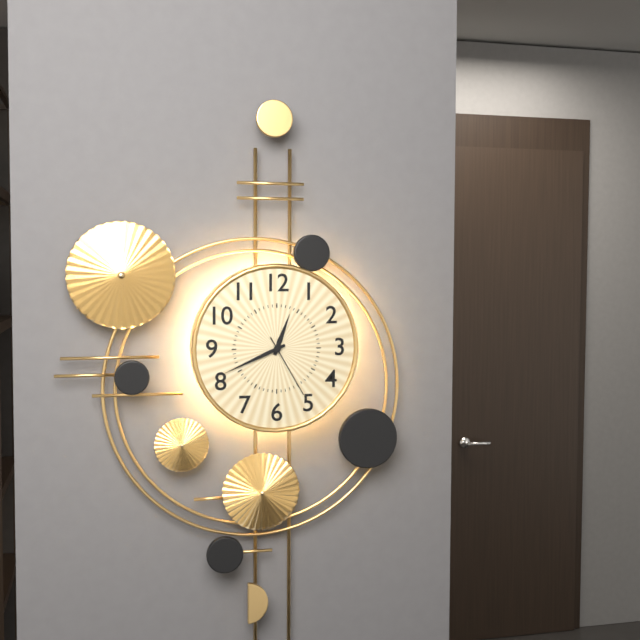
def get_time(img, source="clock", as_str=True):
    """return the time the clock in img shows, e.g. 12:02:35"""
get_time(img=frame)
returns 12:41:25
